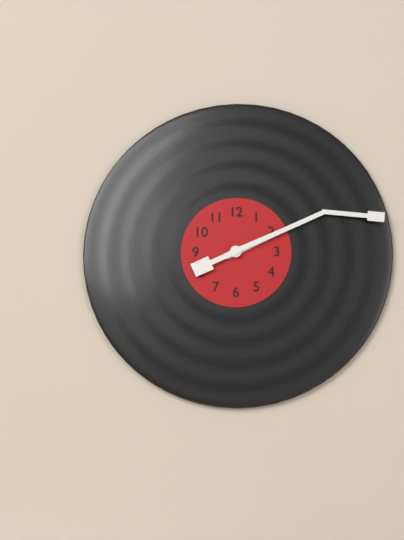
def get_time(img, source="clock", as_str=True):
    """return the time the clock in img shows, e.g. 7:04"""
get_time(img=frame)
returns 2:11
